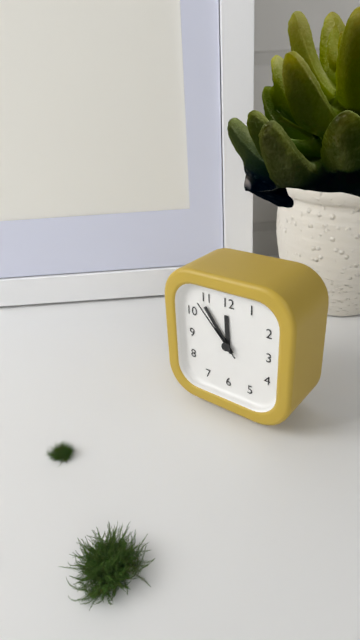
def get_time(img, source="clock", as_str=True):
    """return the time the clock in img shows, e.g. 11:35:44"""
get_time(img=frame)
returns 11:54:53
